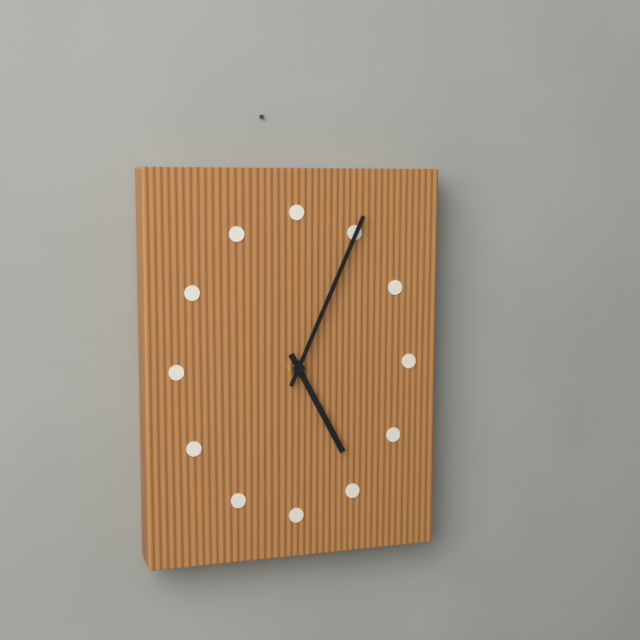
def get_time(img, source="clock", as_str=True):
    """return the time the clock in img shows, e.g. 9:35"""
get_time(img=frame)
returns 5:04
